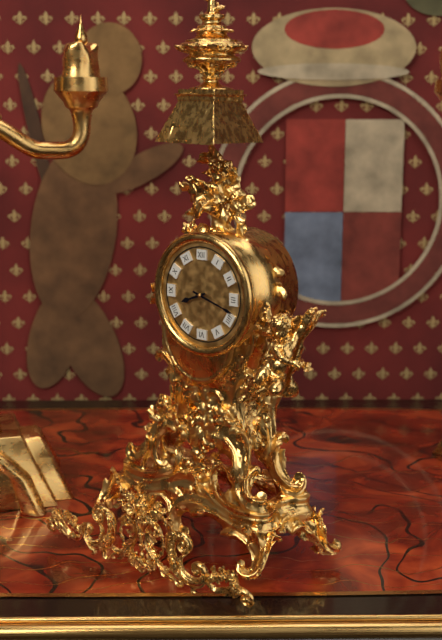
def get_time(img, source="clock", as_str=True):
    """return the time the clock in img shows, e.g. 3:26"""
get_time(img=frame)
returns 8:18
